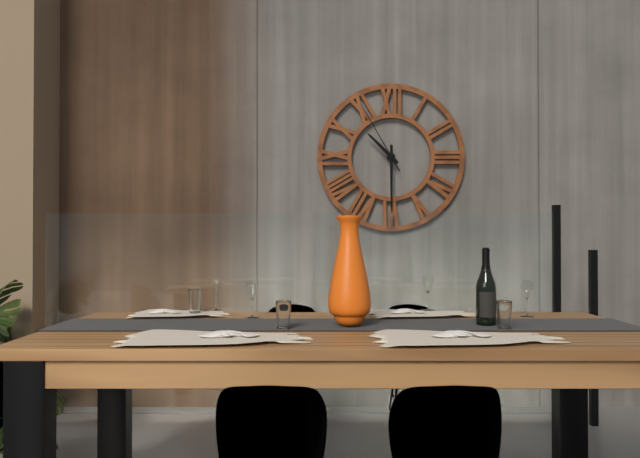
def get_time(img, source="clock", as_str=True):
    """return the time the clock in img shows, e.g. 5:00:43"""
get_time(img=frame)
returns 10:30:55
